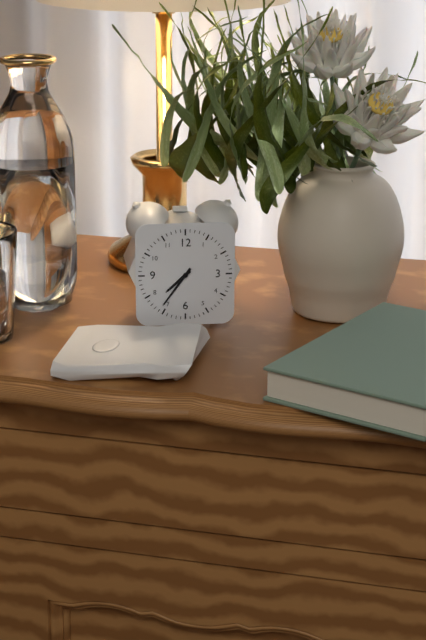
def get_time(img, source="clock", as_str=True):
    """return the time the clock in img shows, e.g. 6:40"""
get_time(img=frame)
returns 7:36
